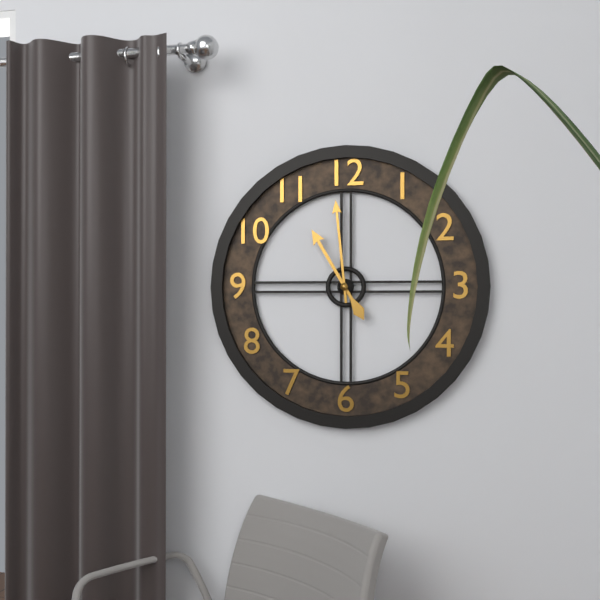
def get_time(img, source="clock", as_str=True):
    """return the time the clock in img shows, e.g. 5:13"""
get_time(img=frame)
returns 10:59
